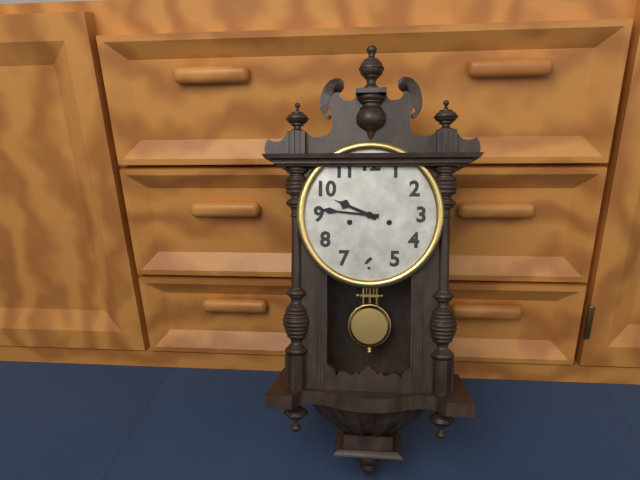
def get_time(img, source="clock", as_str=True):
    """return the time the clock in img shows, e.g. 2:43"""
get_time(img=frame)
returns 9:46
